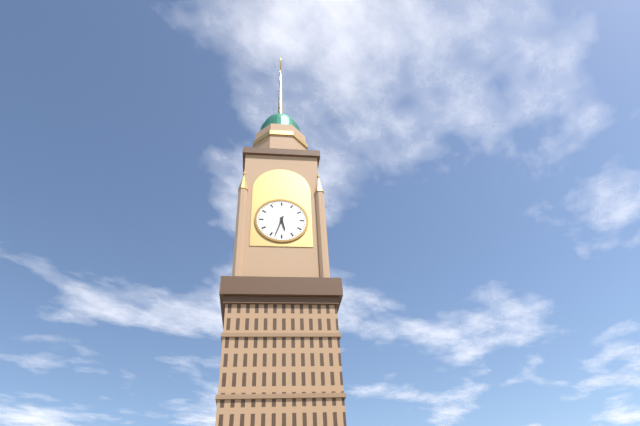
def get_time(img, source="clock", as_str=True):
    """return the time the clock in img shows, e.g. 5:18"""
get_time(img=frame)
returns 5:33
